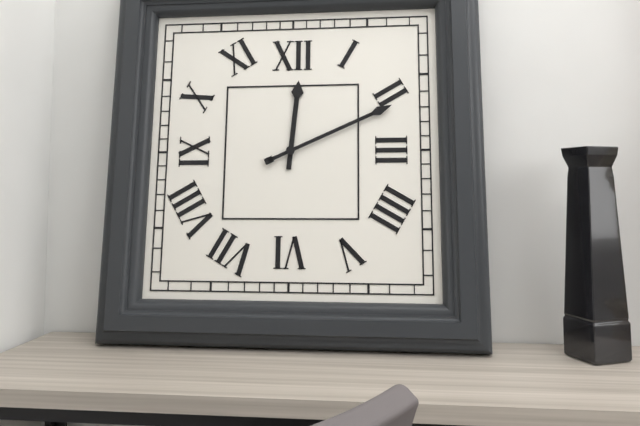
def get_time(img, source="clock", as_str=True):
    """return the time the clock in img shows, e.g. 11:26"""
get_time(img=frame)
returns 12:11
